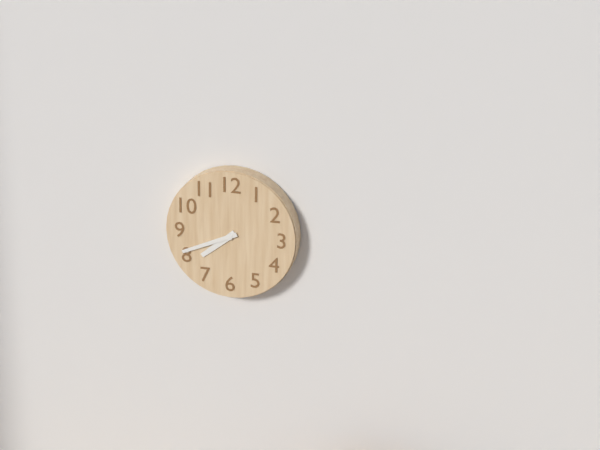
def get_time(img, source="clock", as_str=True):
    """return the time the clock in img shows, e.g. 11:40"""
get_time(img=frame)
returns 7:41
